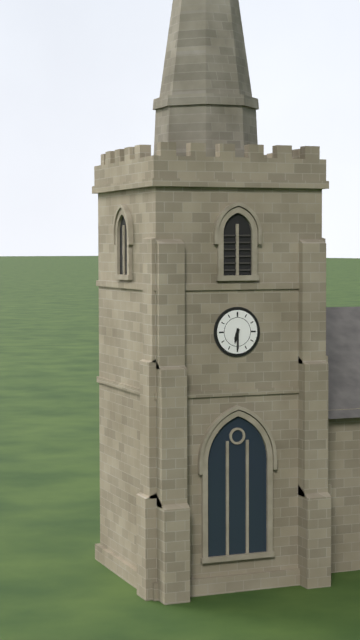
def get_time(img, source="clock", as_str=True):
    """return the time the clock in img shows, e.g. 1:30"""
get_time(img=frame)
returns 6:30
